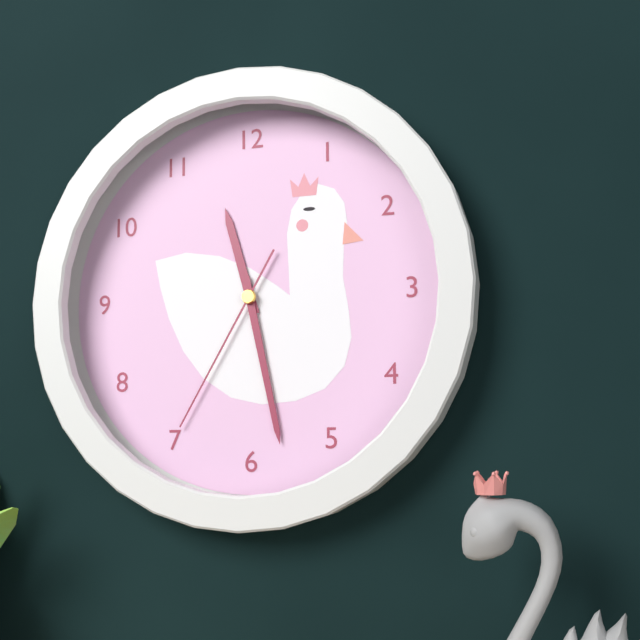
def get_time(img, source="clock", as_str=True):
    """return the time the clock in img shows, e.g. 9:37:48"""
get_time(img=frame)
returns 11:28:35
